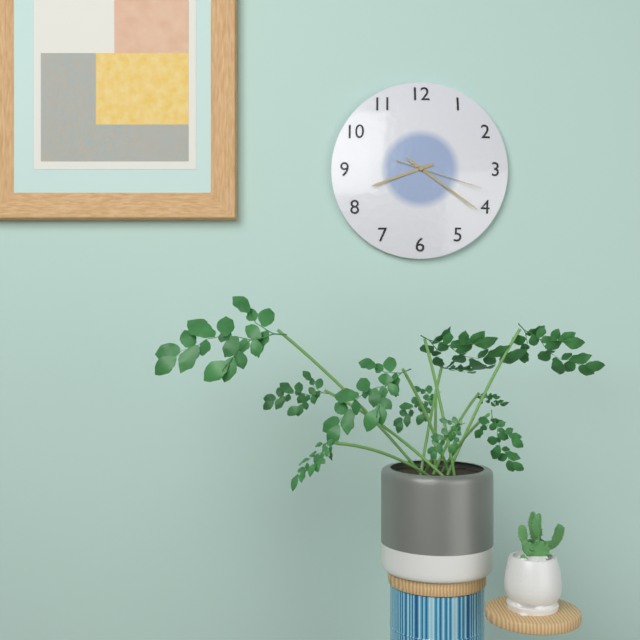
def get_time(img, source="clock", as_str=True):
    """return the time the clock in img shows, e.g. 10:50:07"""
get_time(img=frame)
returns 8:21:18
